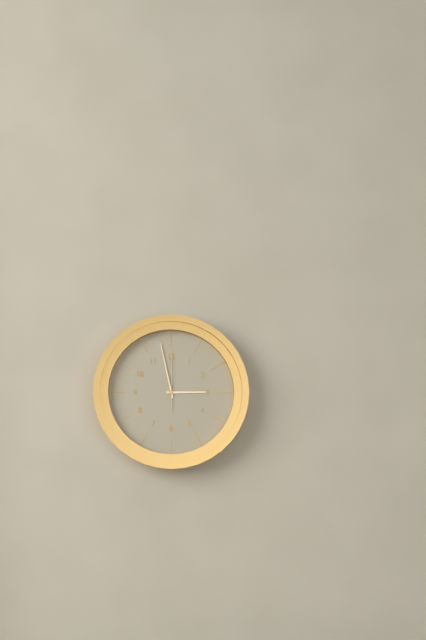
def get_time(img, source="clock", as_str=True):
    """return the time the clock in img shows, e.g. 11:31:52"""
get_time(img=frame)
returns 2:58:00
